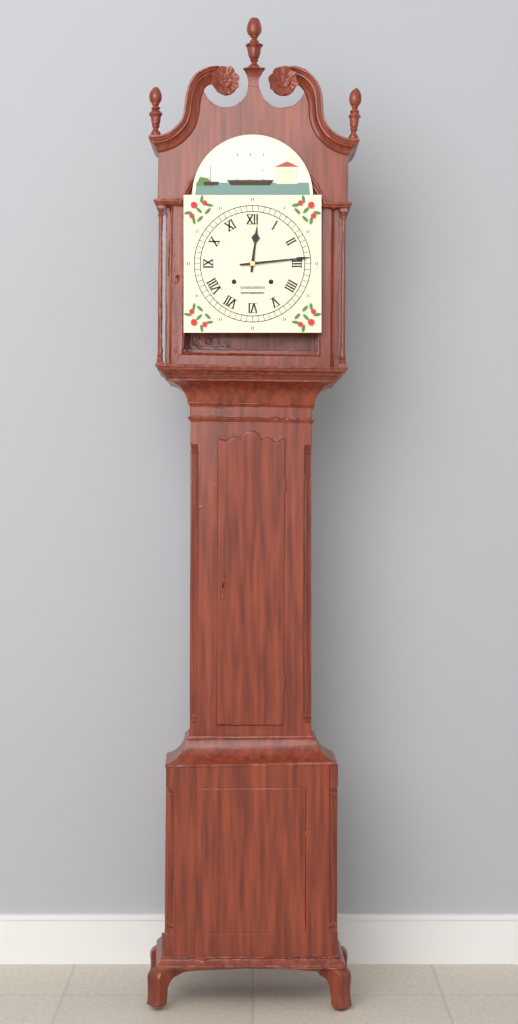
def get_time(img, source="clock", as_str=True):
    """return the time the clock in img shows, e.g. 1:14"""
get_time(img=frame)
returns 12:14
